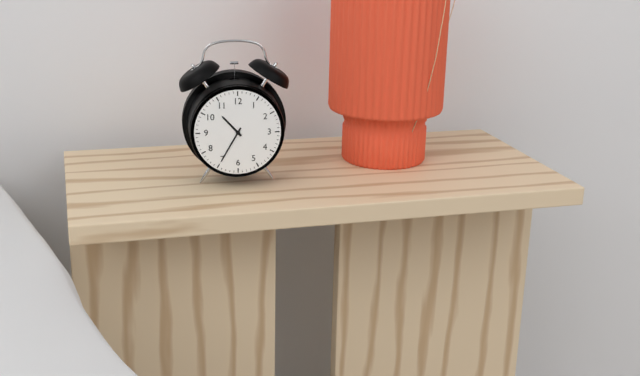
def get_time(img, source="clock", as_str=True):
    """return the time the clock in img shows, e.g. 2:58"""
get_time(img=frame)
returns 10:35
